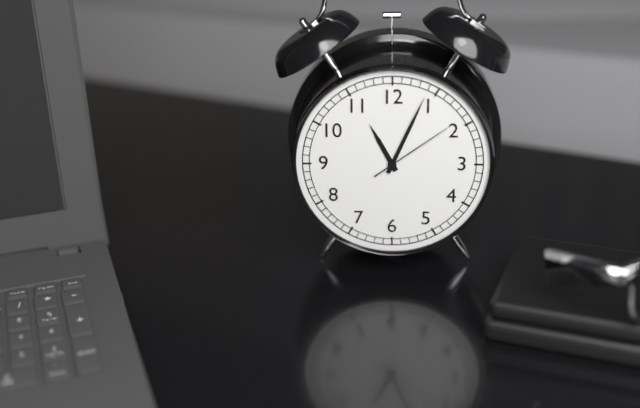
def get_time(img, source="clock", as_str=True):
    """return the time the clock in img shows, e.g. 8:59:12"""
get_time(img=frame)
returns 11:04:09
